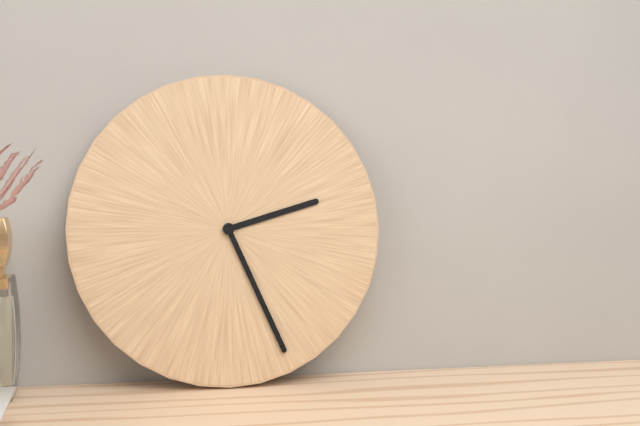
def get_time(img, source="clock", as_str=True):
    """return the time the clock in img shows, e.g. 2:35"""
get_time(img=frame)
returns 2:26
